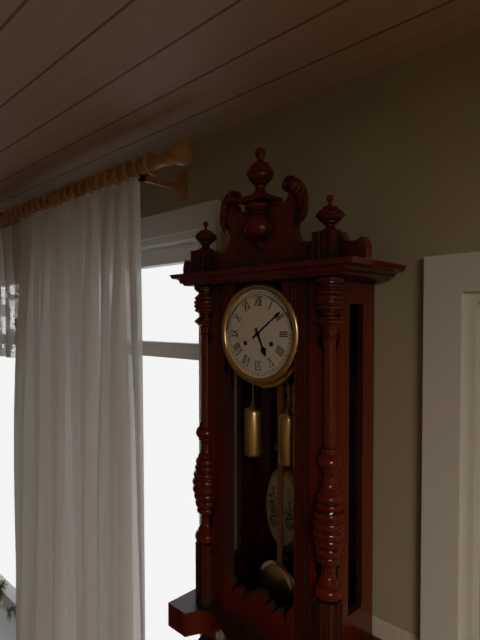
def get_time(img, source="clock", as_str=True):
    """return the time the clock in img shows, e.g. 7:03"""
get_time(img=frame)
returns 5:09
